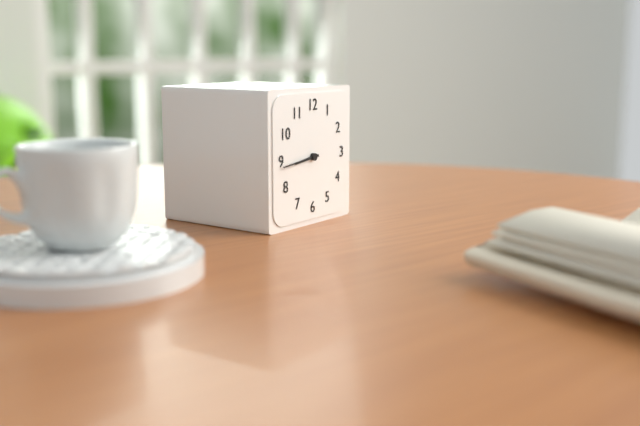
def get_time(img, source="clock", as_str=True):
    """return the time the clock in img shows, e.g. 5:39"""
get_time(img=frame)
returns 8:44
